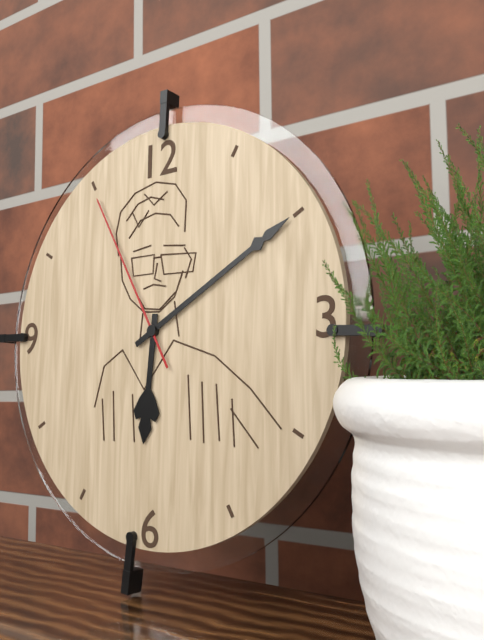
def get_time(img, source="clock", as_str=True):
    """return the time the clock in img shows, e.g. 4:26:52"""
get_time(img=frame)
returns 6:10:55
